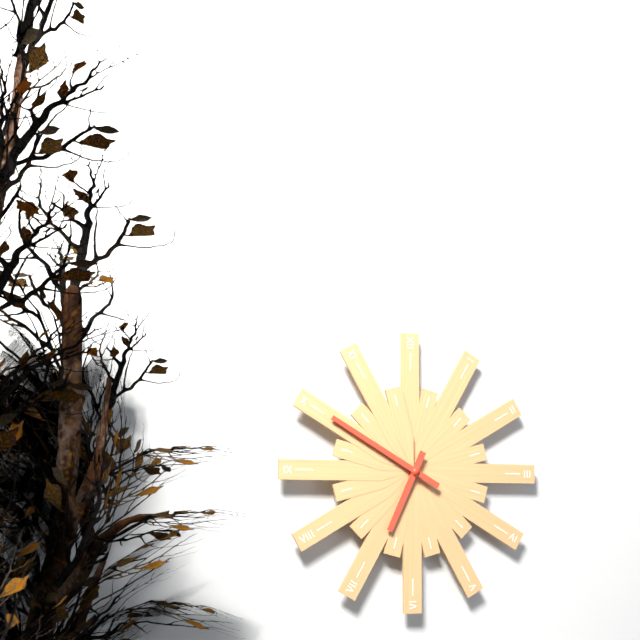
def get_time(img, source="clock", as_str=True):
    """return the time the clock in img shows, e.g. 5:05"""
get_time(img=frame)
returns 6:50
